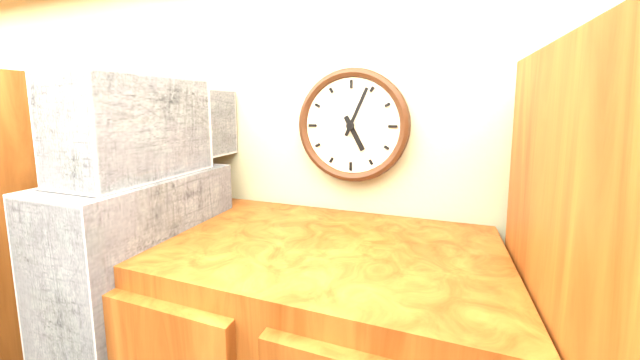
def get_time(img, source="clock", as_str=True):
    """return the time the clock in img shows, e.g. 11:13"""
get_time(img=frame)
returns 5:04
